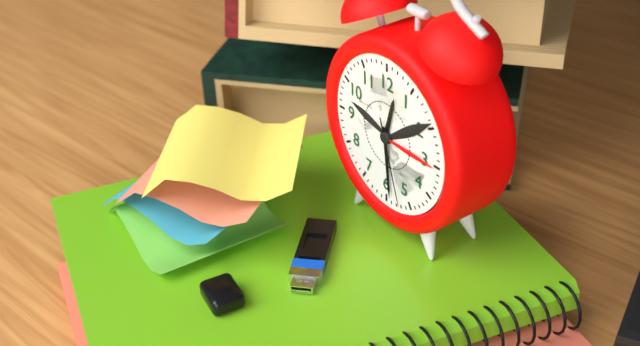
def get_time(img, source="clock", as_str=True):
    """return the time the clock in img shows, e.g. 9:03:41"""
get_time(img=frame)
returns 12:29:27
